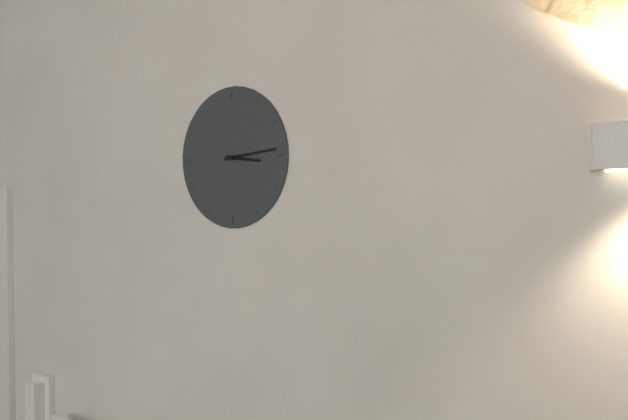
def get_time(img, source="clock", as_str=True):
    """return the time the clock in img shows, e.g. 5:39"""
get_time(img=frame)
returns 3:14
